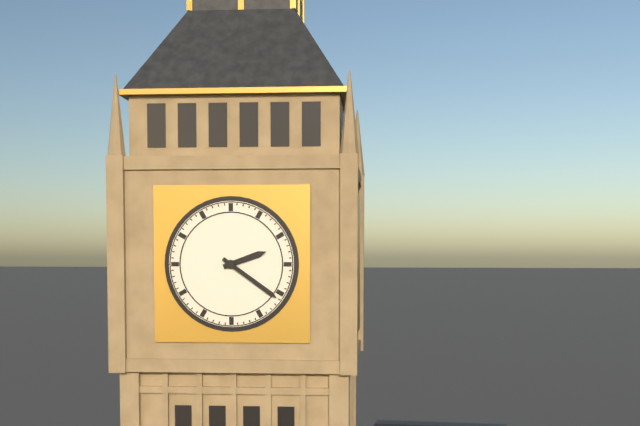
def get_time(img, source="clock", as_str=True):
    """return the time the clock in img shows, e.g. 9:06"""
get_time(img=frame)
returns 2:21
